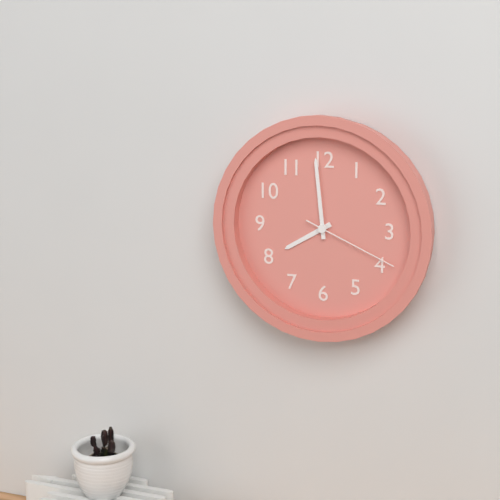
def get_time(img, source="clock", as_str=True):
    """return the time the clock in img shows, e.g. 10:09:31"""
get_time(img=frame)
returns 7:59:19
